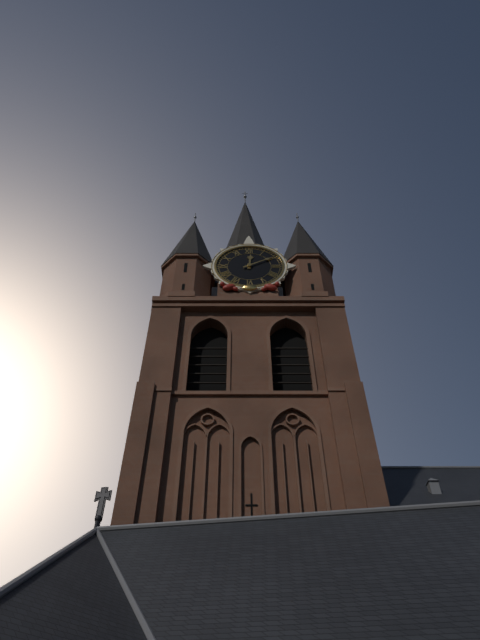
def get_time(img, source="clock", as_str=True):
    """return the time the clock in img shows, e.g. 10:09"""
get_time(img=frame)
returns 12:10
